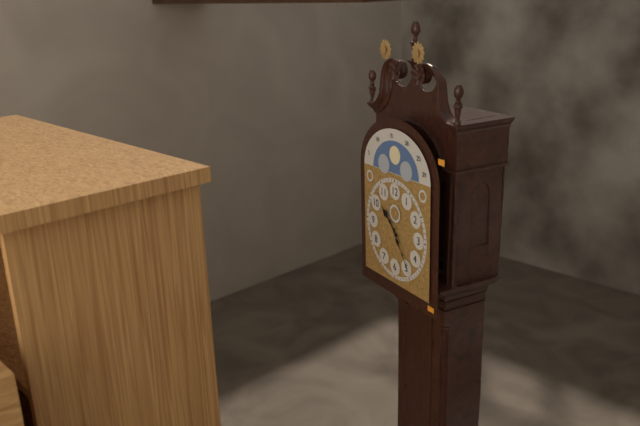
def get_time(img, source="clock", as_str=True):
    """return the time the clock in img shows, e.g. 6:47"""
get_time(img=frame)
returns 10:24
